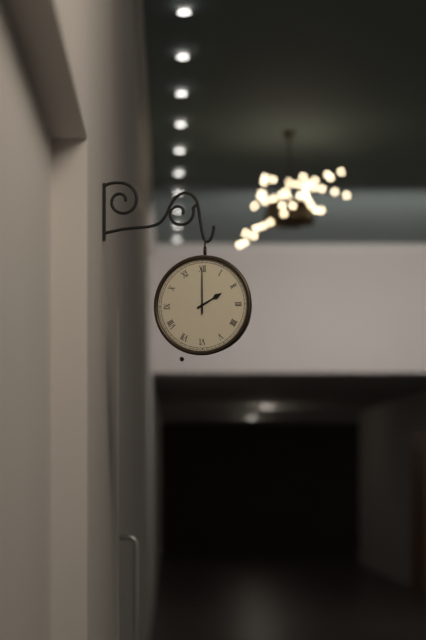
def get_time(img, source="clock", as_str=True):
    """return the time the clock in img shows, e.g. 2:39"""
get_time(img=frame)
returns 2:00
